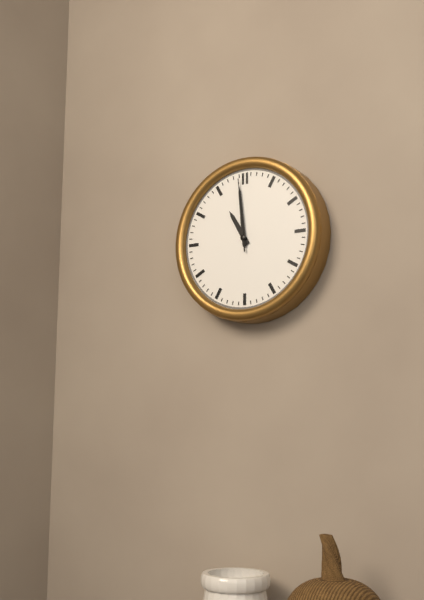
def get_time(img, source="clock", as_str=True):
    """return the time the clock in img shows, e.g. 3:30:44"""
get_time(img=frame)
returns 10:59:59
